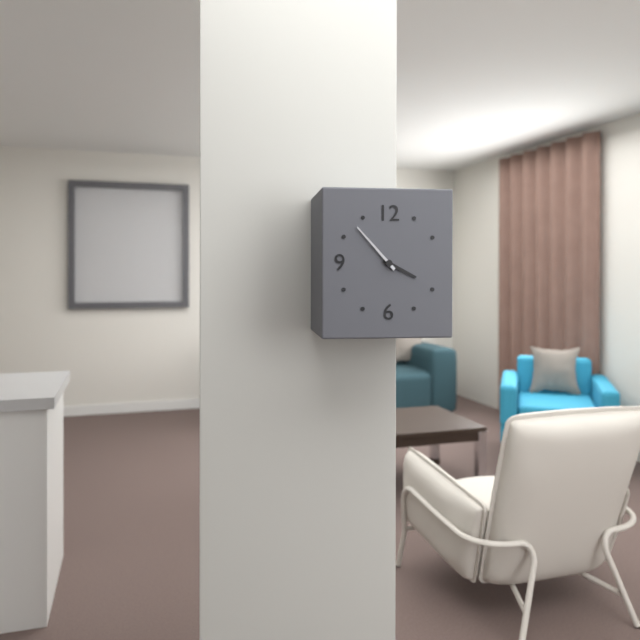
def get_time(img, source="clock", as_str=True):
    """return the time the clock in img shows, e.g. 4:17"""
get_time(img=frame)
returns 3:53
